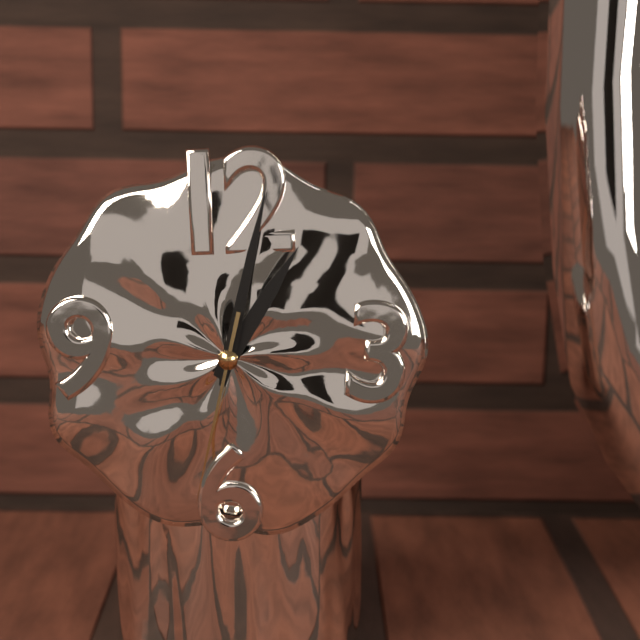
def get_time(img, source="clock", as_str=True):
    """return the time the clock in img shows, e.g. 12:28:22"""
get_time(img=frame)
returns 1:02:32
